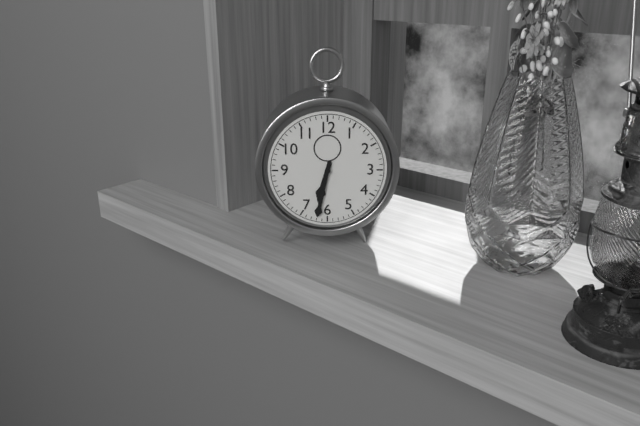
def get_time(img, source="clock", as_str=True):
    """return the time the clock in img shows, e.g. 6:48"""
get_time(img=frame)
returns 6:32
